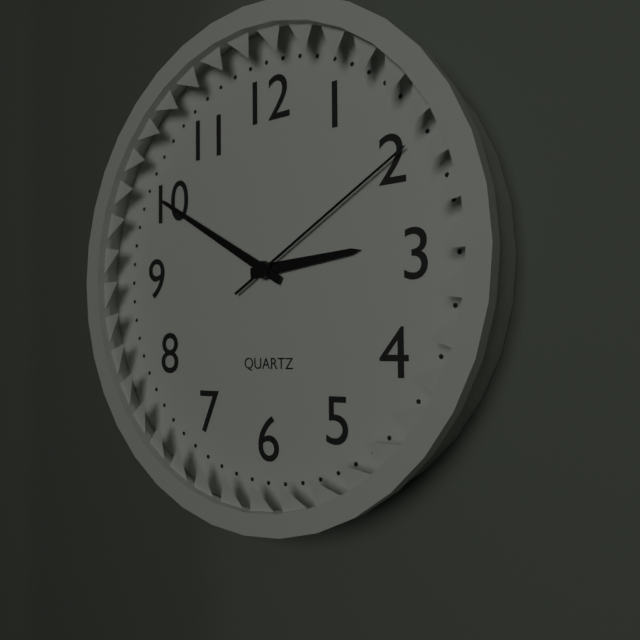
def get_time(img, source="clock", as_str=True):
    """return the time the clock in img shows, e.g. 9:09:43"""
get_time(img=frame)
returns 2:50:10
